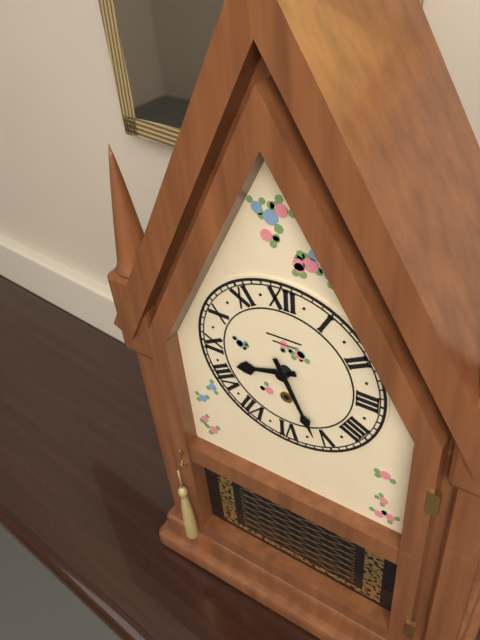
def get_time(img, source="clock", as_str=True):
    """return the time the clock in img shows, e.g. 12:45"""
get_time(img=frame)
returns 8:26
